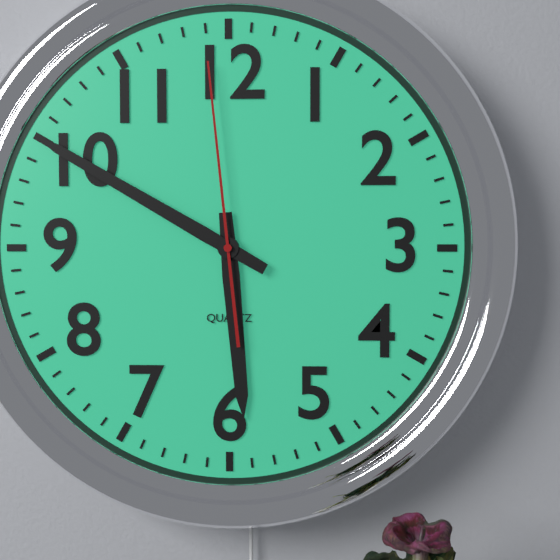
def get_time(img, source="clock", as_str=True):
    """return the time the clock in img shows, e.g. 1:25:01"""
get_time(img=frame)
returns 5:50:59
